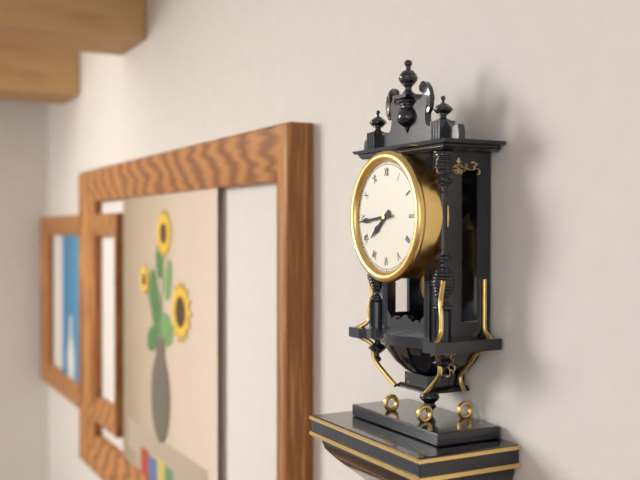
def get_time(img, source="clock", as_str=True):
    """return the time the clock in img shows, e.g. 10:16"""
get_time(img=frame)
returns 7:44
